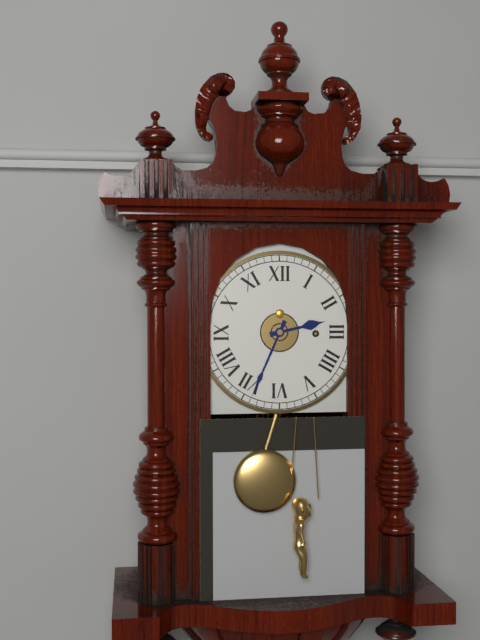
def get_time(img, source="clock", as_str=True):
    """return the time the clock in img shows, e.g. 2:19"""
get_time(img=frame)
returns 2:34
